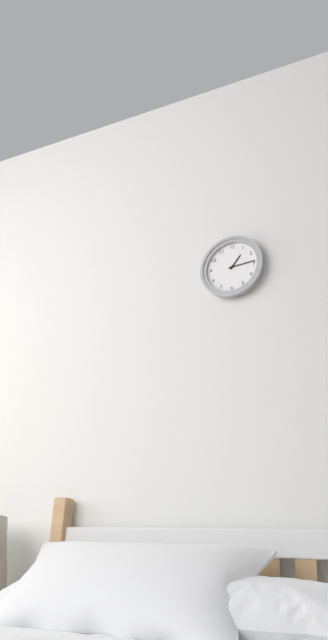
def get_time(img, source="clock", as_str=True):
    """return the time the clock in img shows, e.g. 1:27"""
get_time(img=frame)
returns 1:14
